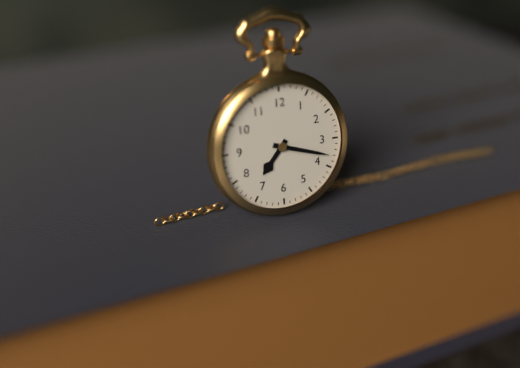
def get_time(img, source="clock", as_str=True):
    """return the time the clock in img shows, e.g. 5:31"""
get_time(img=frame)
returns 7:18
